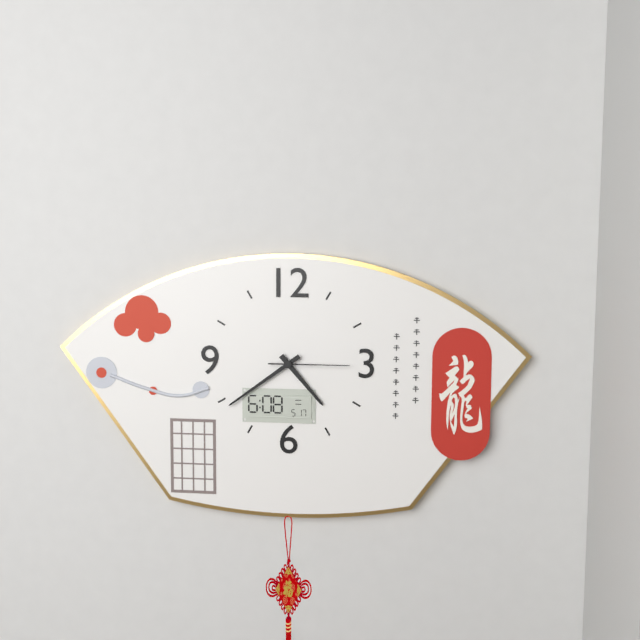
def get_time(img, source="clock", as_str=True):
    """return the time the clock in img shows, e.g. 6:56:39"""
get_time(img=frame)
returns 4:39:15
